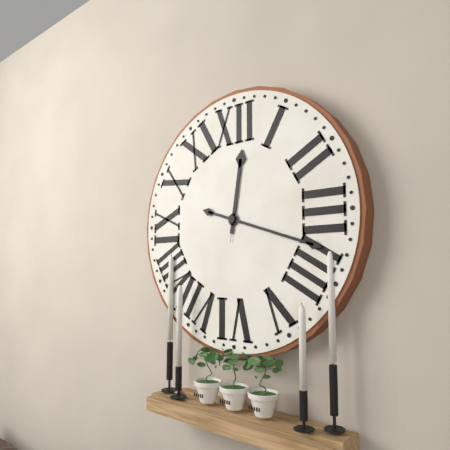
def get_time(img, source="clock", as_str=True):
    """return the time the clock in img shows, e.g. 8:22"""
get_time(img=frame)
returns 12:18
